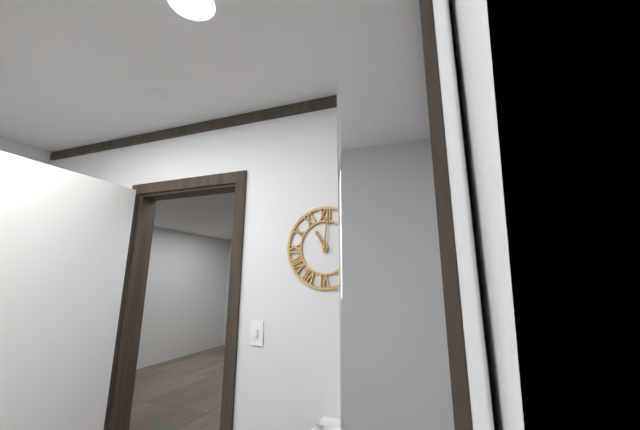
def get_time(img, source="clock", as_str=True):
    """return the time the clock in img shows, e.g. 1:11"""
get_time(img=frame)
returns 11:01
